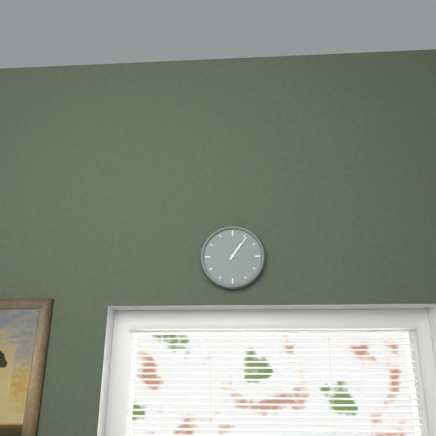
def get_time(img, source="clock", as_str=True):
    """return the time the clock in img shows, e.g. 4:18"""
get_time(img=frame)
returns 1:06
